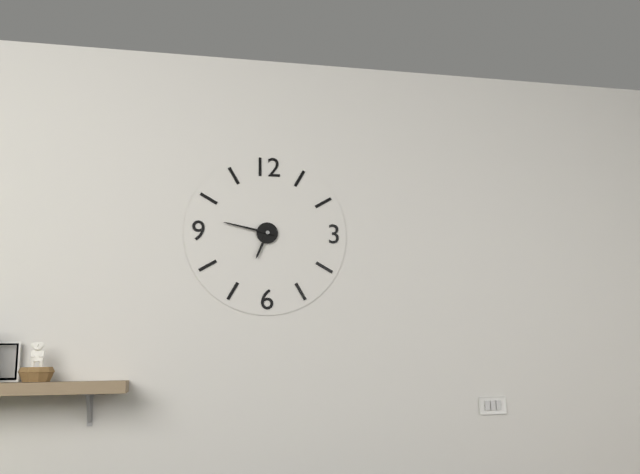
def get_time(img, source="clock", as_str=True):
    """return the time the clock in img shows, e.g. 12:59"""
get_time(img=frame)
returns 6:47
